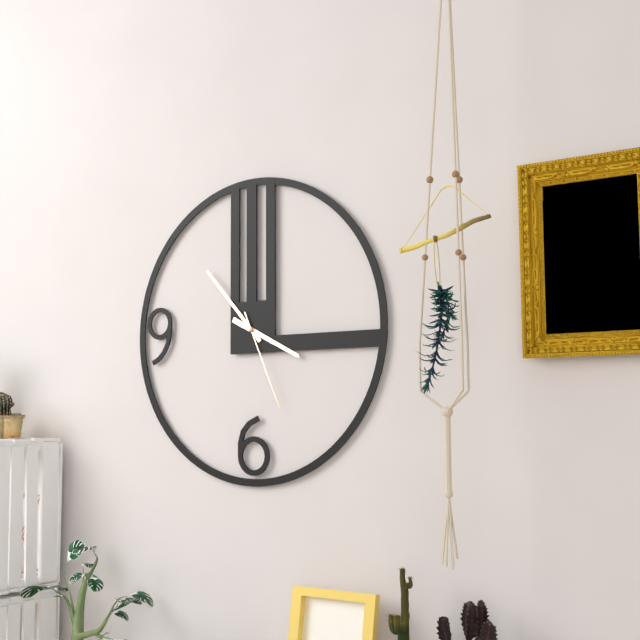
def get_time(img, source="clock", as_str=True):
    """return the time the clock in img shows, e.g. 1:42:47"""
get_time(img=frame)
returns 3:53:26
